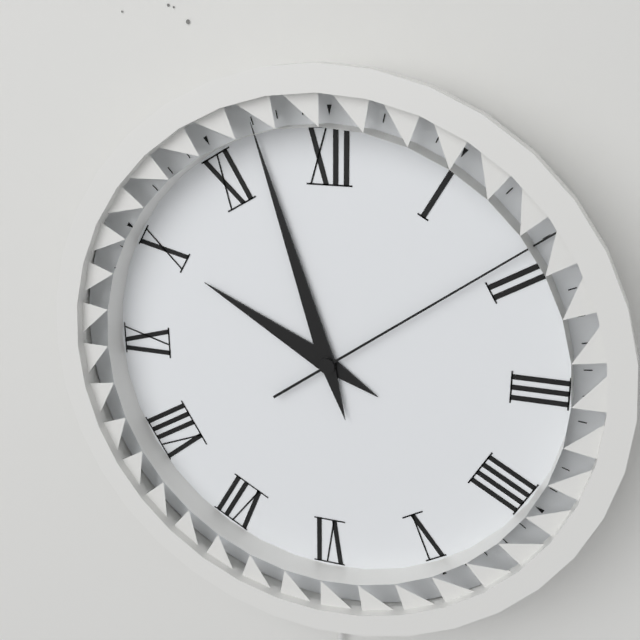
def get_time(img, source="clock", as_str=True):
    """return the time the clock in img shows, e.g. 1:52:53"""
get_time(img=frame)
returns 9:57:09
